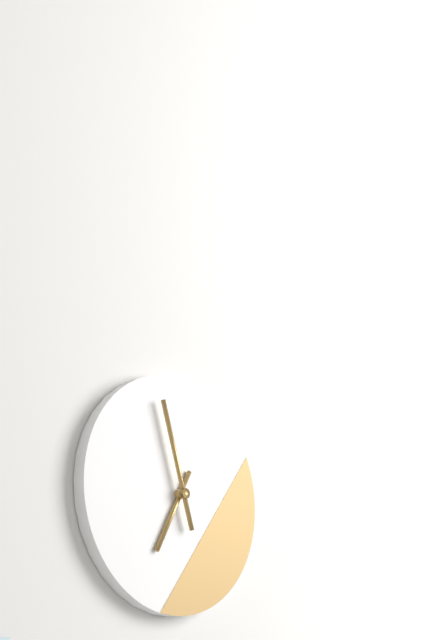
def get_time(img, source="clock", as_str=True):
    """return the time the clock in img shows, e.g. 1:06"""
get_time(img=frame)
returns 6:57
